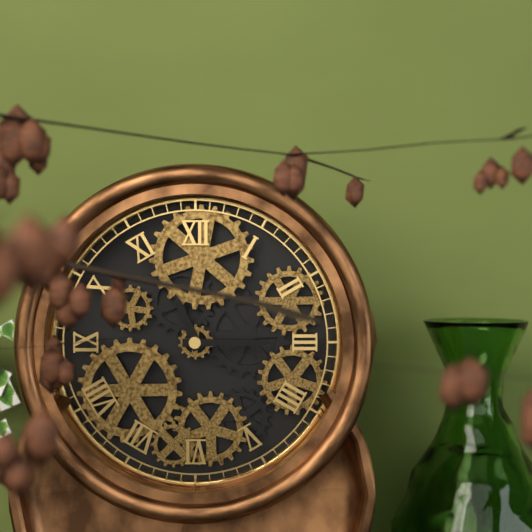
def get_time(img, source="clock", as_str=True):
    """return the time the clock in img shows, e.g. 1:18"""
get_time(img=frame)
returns 11:15
